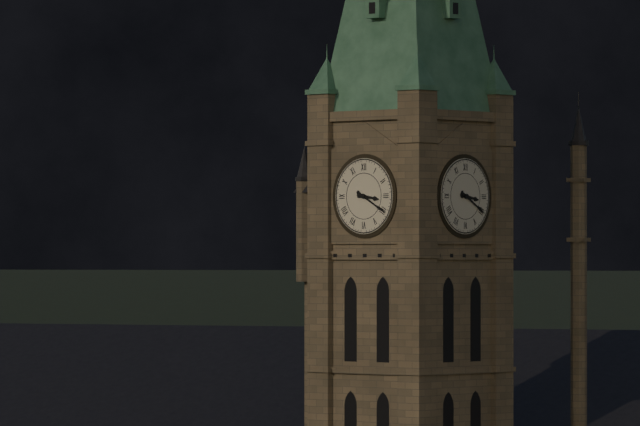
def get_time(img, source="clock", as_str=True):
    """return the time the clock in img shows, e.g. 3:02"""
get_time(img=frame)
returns 3:20
